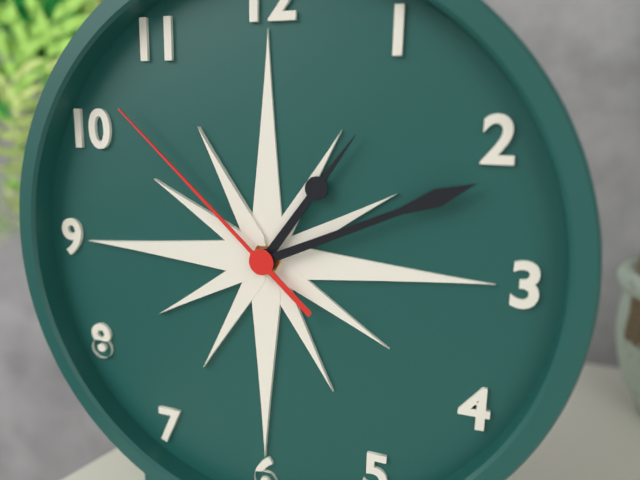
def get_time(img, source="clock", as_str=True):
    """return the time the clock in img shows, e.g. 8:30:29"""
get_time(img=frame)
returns 1:11:52
